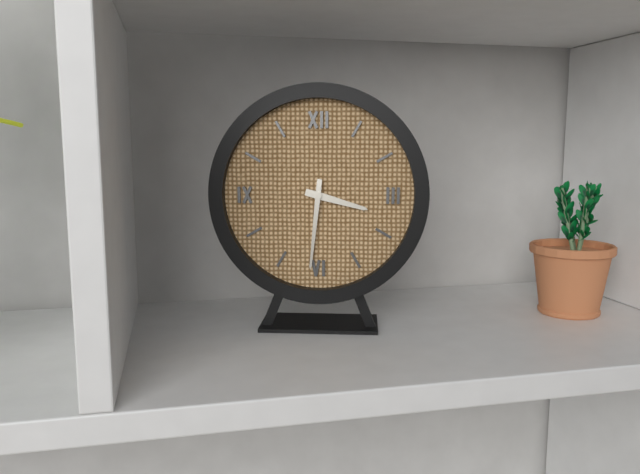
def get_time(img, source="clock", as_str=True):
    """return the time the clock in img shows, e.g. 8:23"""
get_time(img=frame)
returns 3:31
